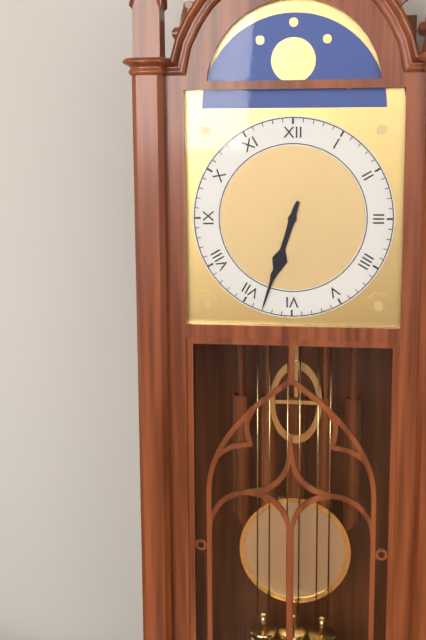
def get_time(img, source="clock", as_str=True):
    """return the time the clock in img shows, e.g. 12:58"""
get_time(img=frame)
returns 6:33
